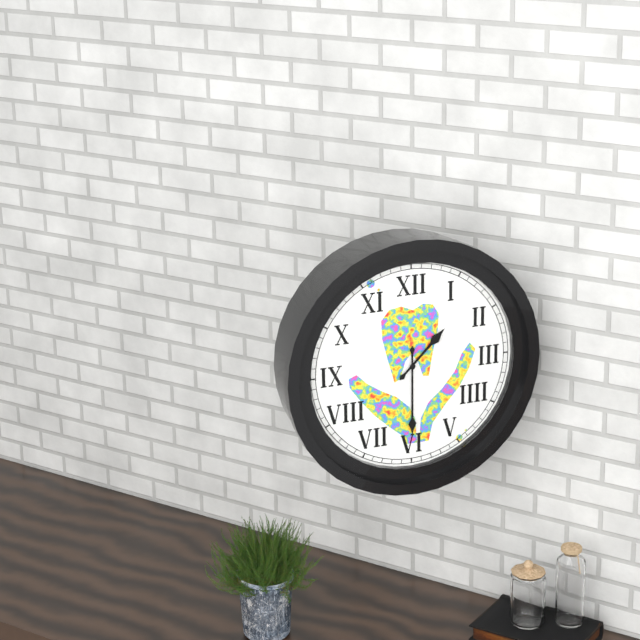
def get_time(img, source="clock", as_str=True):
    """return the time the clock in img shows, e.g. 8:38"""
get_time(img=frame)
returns 1:30
